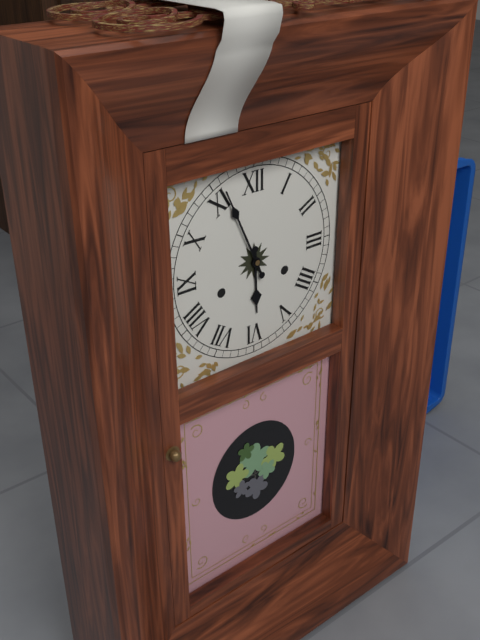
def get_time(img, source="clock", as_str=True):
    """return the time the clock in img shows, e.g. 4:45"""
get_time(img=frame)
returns 5:56
